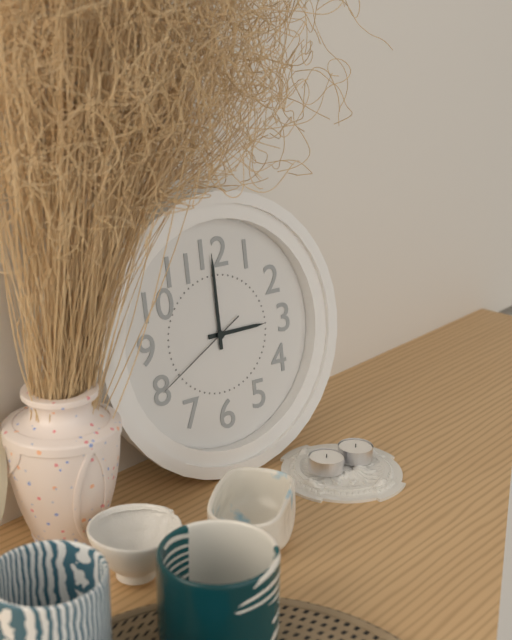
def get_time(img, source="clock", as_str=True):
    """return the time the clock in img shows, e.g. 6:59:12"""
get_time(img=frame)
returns 3:00:40
